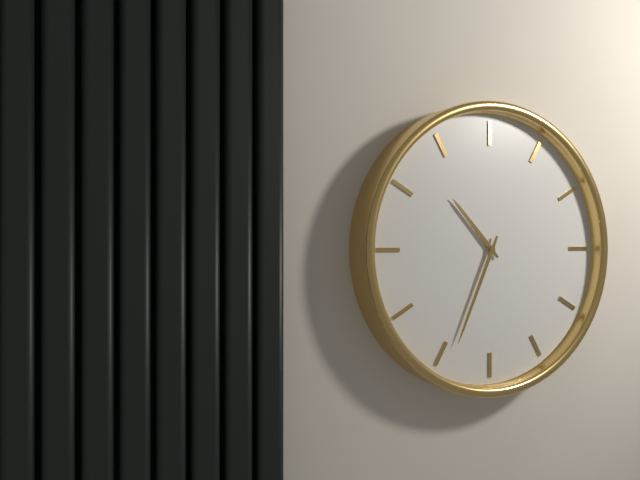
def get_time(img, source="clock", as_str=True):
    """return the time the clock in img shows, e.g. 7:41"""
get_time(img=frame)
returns 10:34
